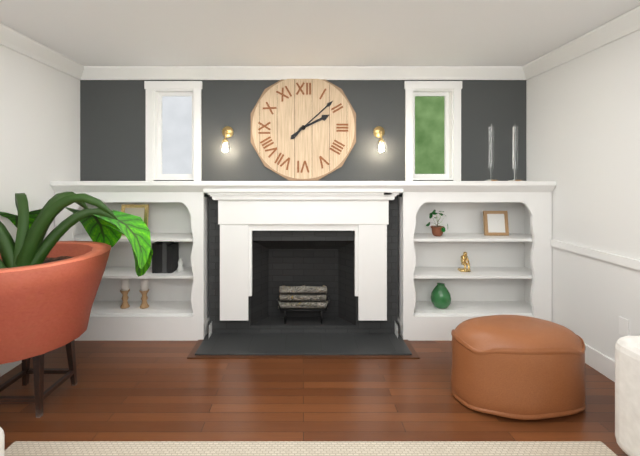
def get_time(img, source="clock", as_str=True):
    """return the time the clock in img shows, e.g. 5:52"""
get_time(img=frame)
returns 2:08
